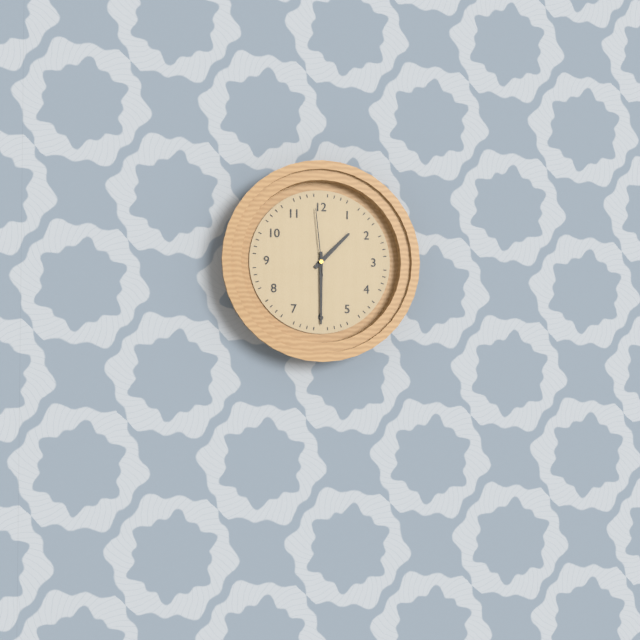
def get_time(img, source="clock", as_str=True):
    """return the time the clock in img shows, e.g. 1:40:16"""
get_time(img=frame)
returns 1:30:59
